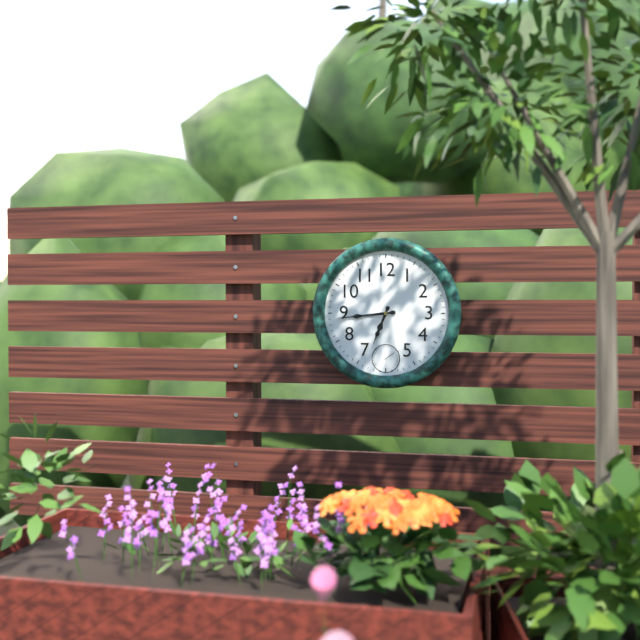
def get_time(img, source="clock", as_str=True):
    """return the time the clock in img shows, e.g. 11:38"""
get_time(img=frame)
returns 6:44
